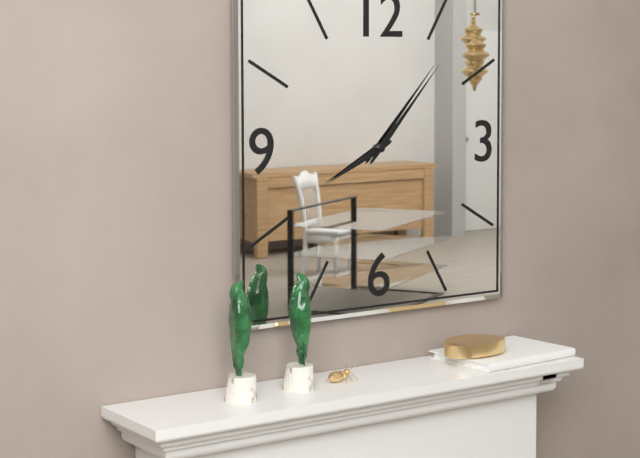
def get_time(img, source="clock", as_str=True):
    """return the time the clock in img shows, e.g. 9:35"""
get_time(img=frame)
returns 8:07
